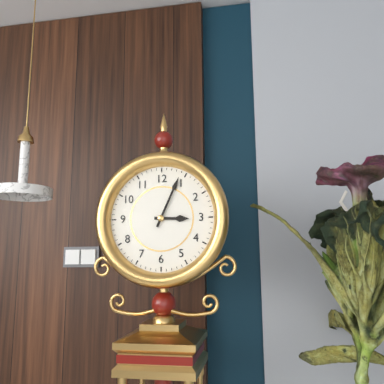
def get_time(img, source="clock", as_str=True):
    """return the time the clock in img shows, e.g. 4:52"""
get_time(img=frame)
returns 3:04
